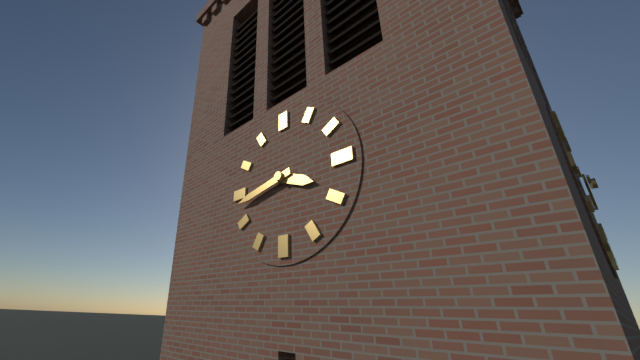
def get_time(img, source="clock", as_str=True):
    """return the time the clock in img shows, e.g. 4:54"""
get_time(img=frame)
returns 3:43
